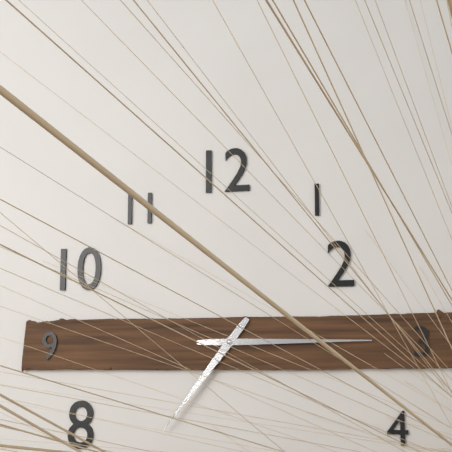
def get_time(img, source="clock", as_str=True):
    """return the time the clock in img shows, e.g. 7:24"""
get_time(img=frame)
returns 7:15
